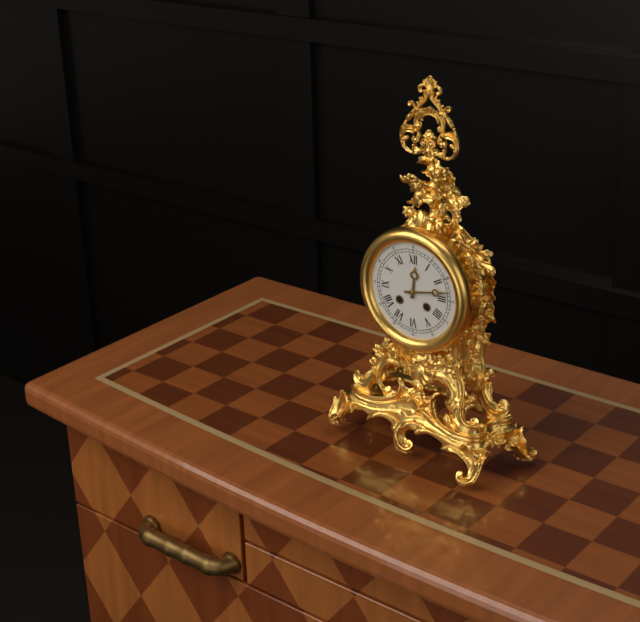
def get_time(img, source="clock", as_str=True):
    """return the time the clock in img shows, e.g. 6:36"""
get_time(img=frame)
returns 12:13
